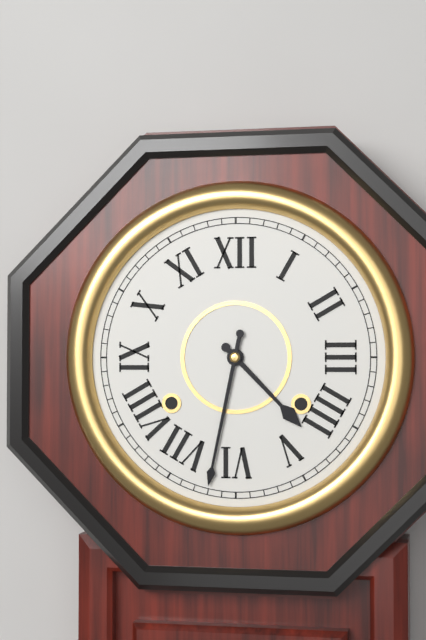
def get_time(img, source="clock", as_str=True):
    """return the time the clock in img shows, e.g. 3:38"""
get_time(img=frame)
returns 4:32
